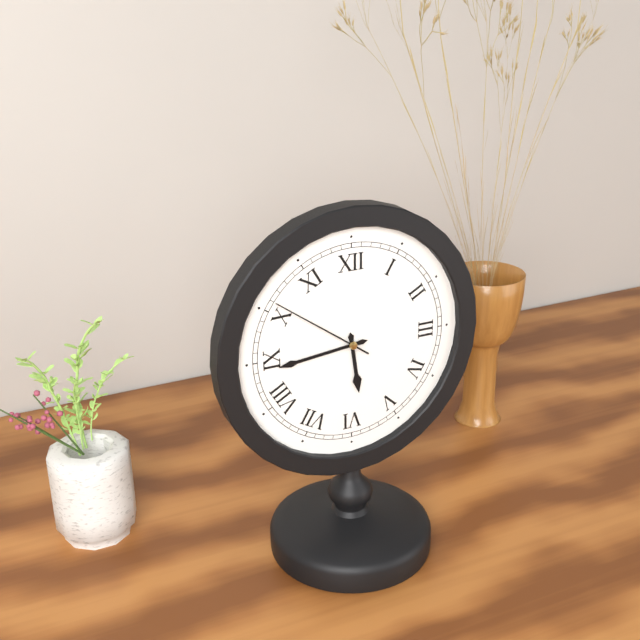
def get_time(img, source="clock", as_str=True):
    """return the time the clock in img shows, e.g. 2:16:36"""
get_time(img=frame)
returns 5:44:51
